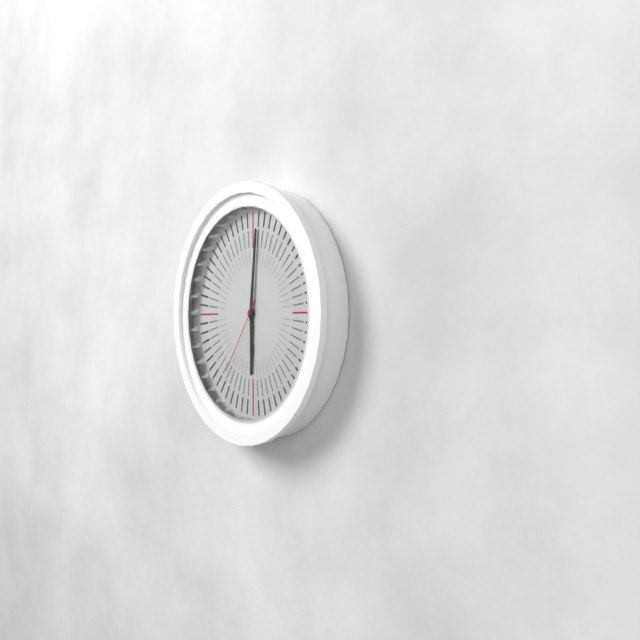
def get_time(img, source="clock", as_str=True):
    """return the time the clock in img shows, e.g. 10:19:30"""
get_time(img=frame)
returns 6:01:36
